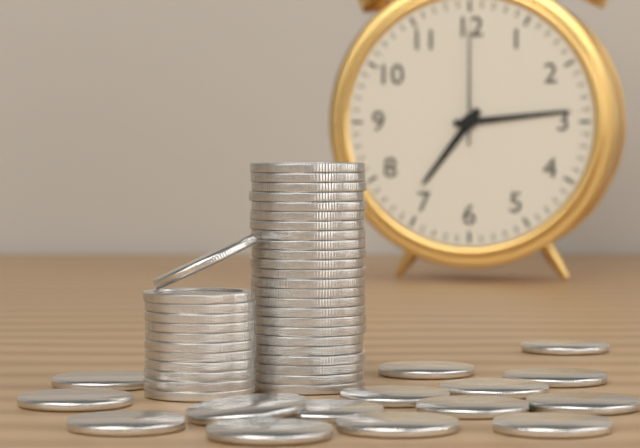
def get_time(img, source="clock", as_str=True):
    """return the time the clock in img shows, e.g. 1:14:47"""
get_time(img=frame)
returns 7:14:00
